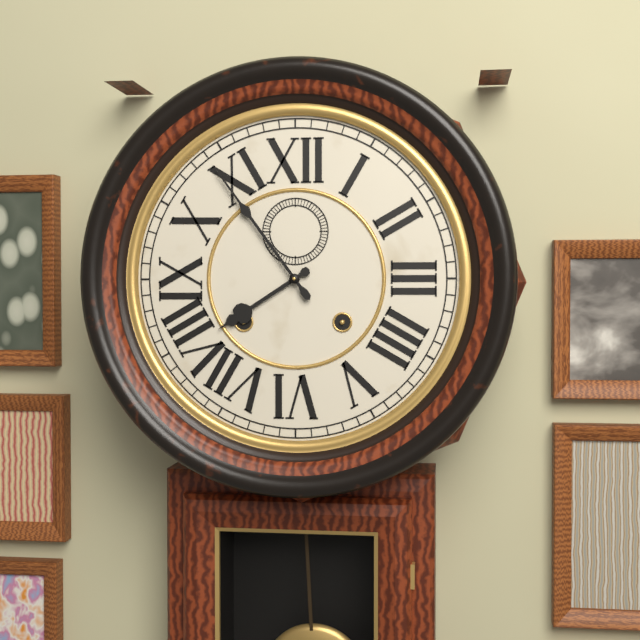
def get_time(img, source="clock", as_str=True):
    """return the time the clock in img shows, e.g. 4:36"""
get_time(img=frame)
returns 7:54
